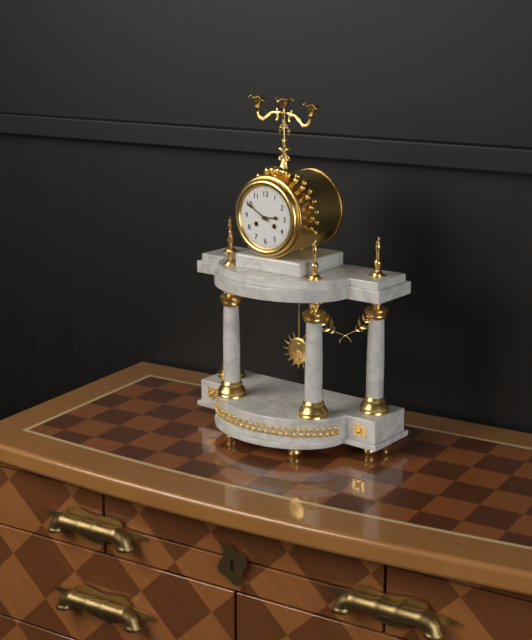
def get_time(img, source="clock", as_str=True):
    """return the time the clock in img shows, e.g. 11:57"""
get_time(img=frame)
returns 2:50
